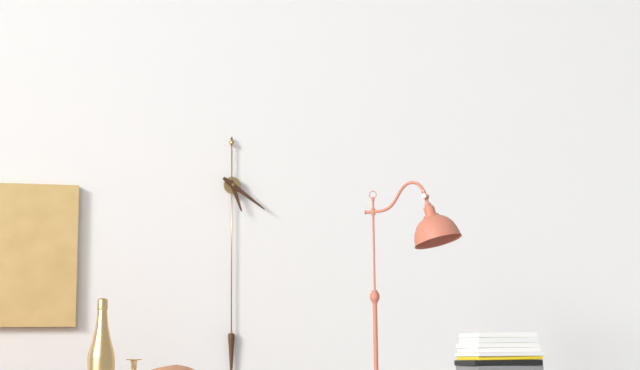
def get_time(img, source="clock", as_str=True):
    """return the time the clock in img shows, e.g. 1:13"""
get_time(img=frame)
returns 5:21
